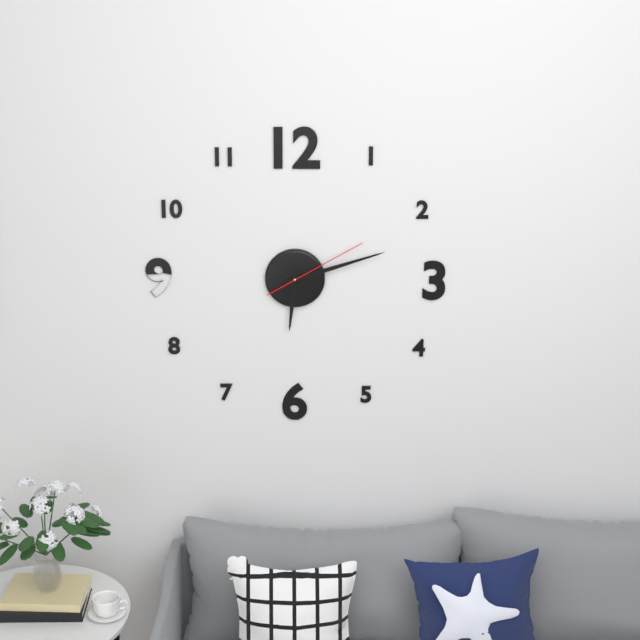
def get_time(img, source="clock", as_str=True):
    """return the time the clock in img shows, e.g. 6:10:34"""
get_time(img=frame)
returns 6:12:10
